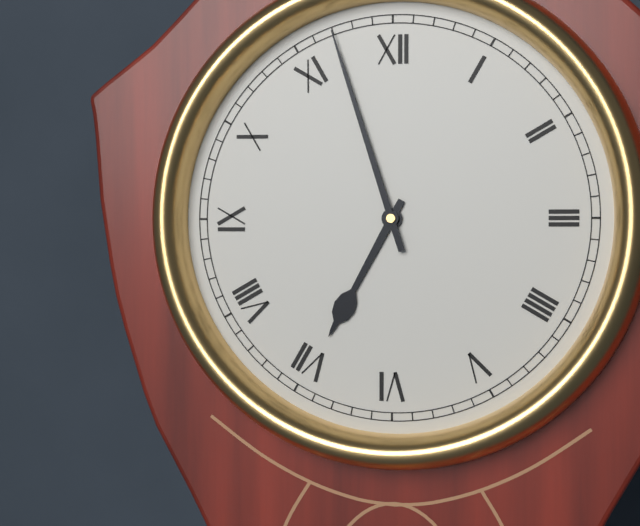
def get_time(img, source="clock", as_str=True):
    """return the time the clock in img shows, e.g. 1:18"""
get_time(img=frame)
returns 6:57
